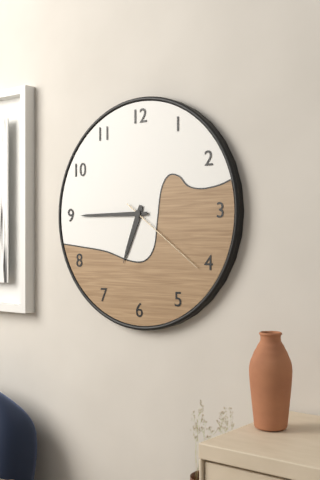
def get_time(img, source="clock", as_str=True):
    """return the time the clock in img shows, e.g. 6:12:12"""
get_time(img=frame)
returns 6:45:21
